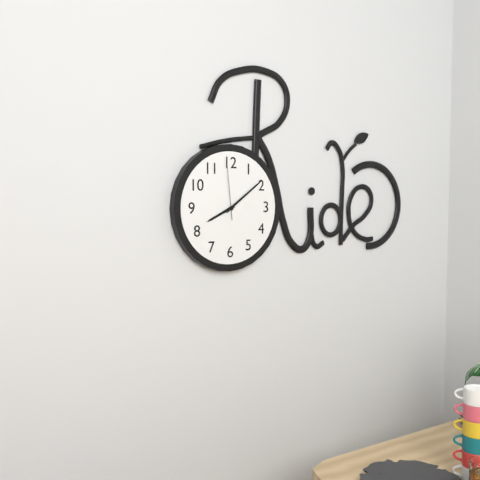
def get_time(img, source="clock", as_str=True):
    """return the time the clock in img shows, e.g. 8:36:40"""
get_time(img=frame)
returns 8:09:59
